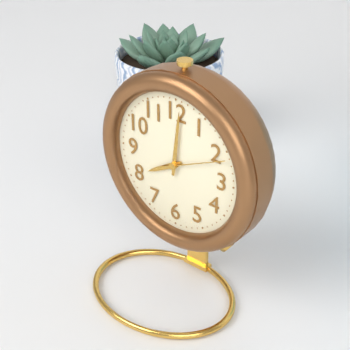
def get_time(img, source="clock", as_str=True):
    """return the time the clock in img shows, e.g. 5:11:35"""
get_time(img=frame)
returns 8:01:11
